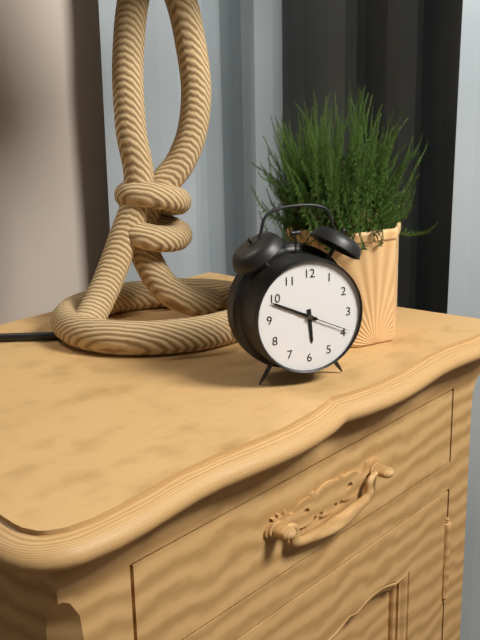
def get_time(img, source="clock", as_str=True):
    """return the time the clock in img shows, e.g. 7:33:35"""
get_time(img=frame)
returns 5:49:19
